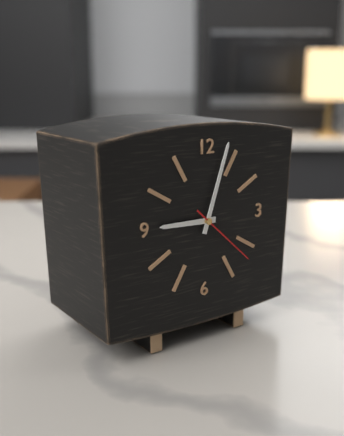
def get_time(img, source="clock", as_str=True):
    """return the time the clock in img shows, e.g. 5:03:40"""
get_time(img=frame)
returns 9:03:22
